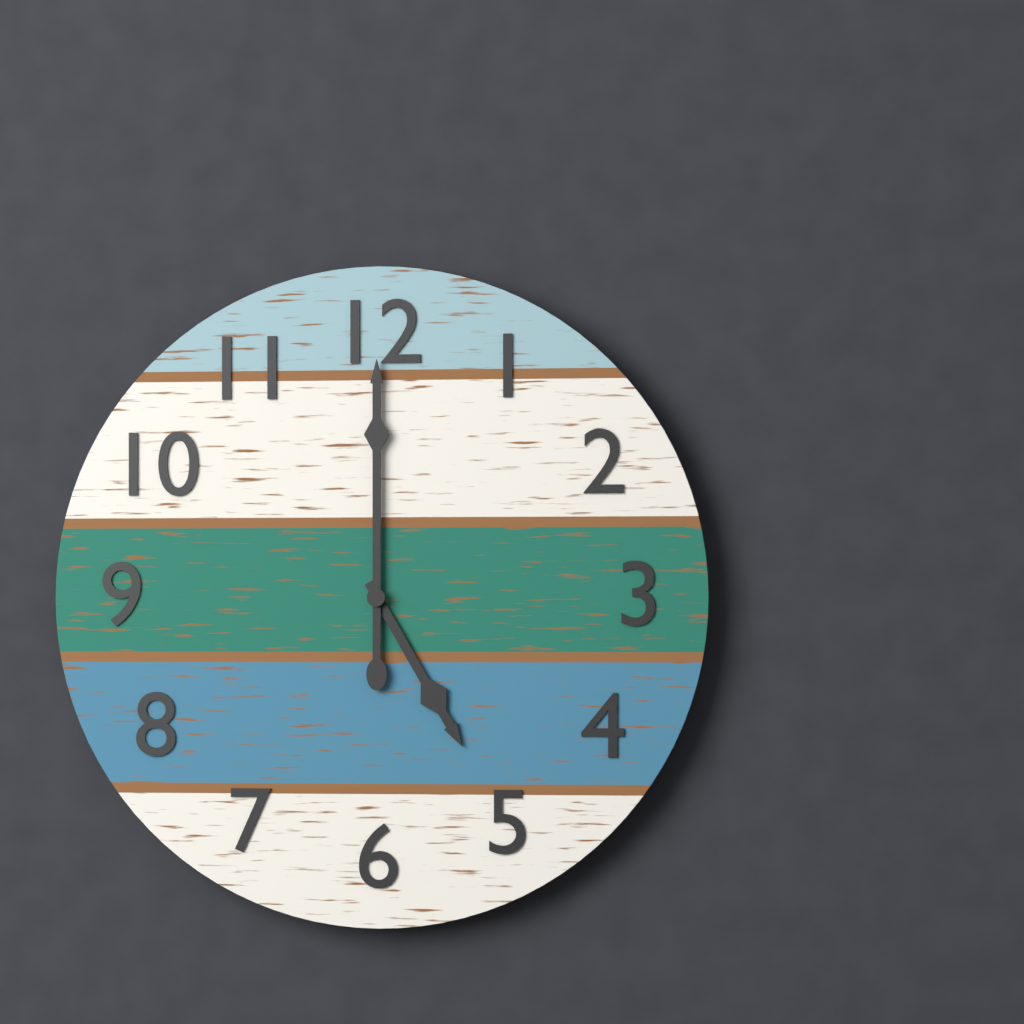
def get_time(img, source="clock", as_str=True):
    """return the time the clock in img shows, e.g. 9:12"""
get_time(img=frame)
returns 5:00
